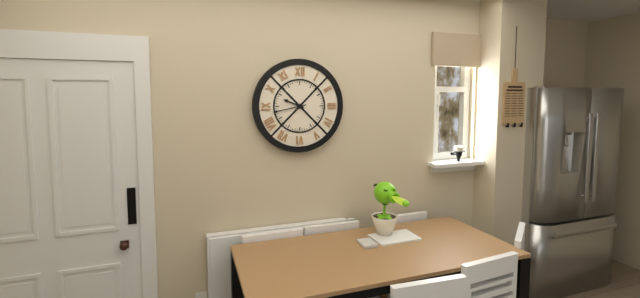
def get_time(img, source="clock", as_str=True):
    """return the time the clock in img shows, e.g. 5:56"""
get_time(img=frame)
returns 9:43
